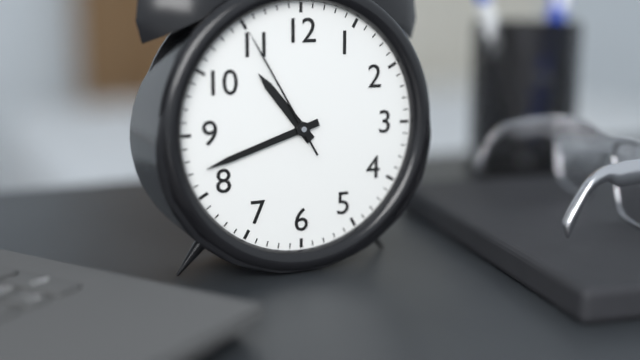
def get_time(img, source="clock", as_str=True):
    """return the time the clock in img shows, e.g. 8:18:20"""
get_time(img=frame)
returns 10:42:55
